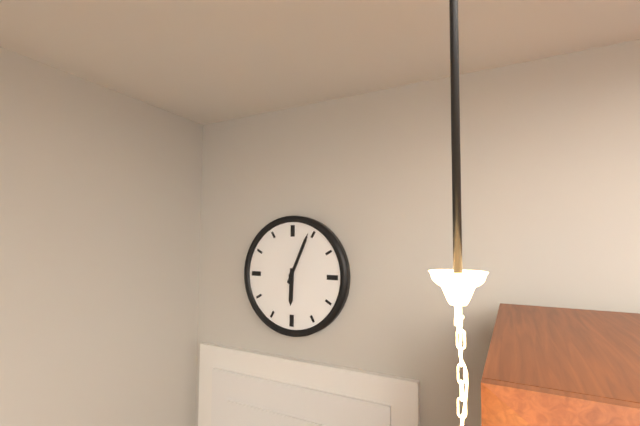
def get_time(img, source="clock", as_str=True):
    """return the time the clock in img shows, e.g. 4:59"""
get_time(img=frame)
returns 6:04
